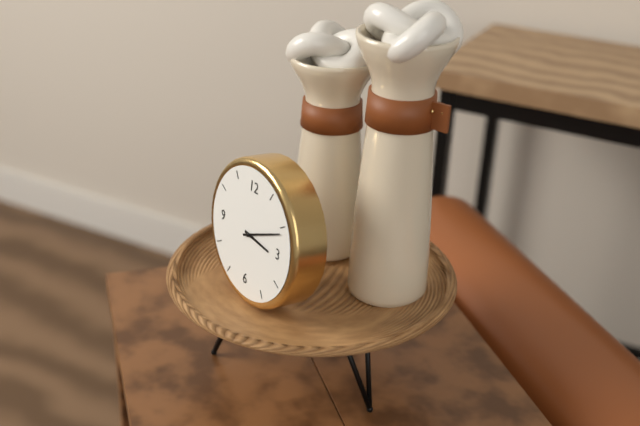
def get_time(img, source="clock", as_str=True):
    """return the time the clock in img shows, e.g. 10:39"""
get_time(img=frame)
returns 3:11
